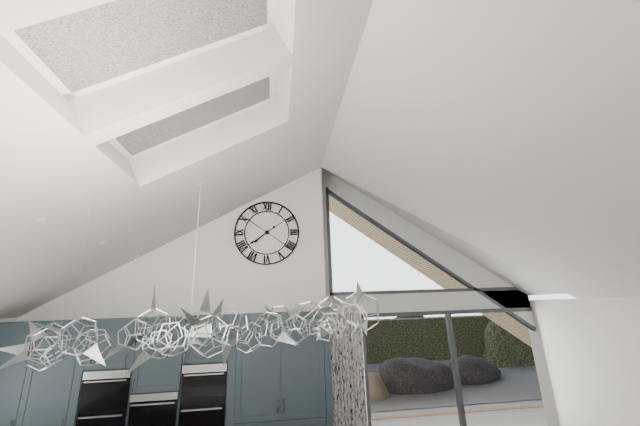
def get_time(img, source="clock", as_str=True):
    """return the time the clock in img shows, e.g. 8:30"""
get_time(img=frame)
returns 7:39
